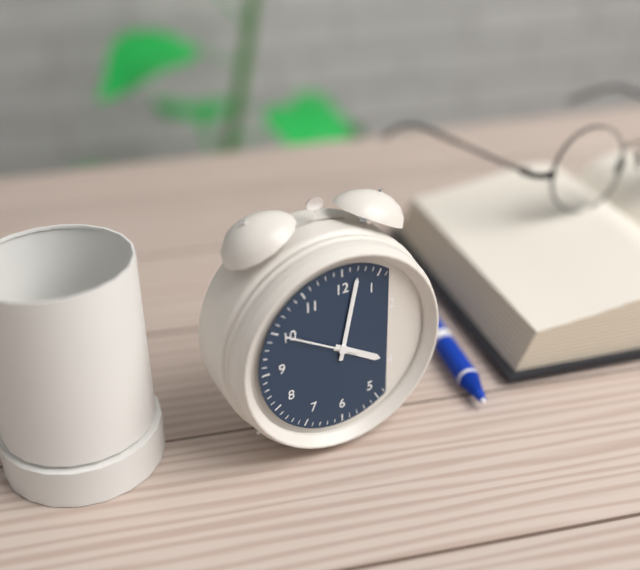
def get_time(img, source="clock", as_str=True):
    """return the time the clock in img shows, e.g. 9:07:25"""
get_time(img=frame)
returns 4:02:50
